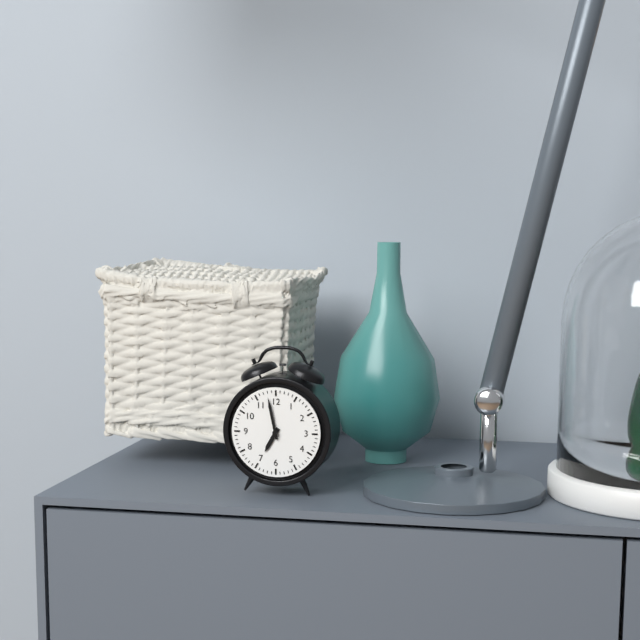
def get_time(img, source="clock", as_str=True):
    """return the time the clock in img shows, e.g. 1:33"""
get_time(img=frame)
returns 6:58
